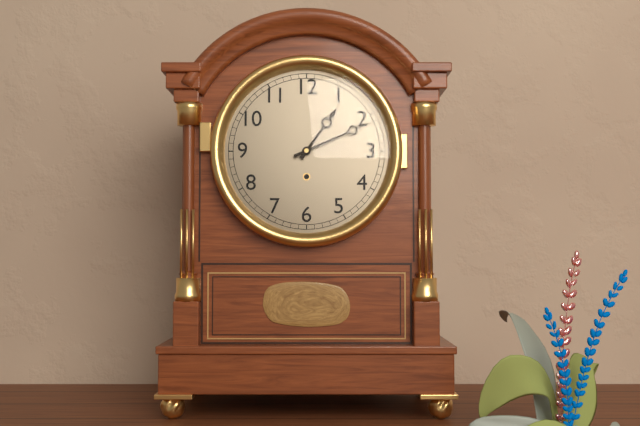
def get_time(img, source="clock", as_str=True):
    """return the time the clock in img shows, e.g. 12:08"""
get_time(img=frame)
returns 1:11
